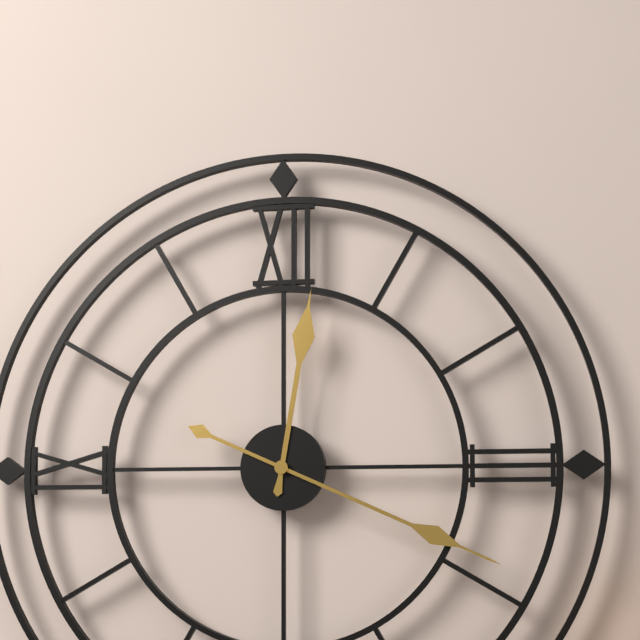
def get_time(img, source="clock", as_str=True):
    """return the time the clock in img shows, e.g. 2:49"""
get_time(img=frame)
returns 12:19
